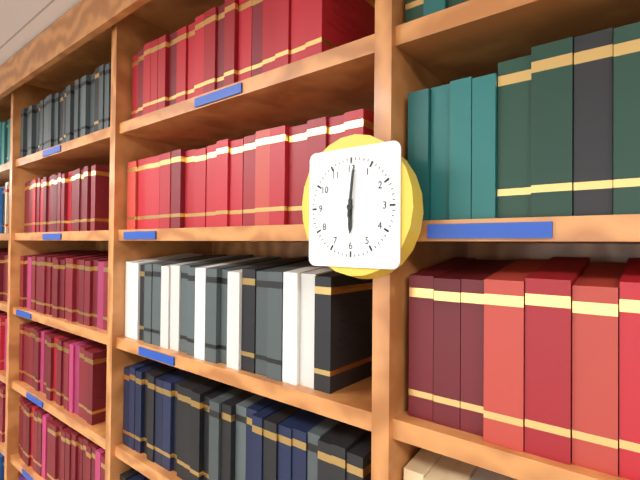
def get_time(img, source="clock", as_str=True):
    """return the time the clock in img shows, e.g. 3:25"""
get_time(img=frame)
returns 6:01
